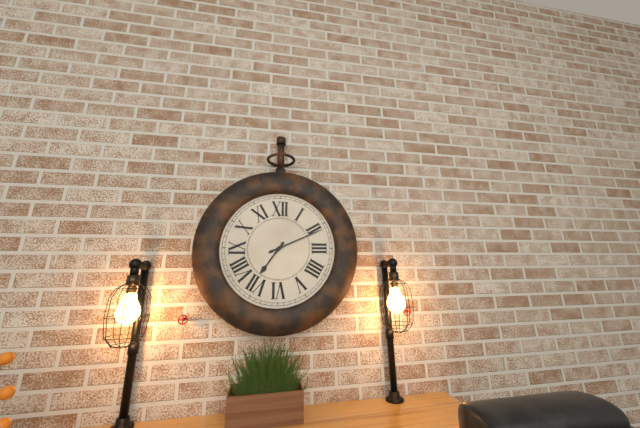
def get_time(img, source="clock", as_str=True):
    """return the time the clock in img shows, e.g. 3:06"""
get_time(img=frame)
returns 7:11
